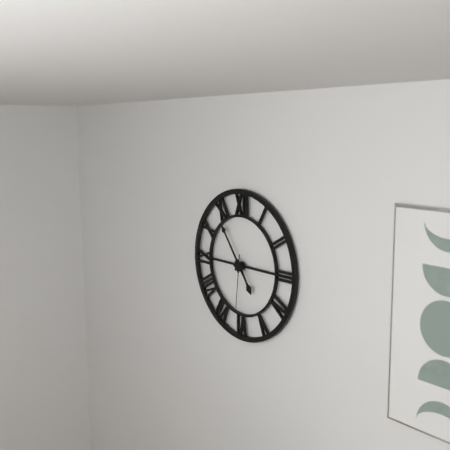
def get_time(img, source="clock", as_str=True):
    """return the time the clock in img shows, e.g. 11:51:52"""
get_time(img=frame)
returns 4:54:31
